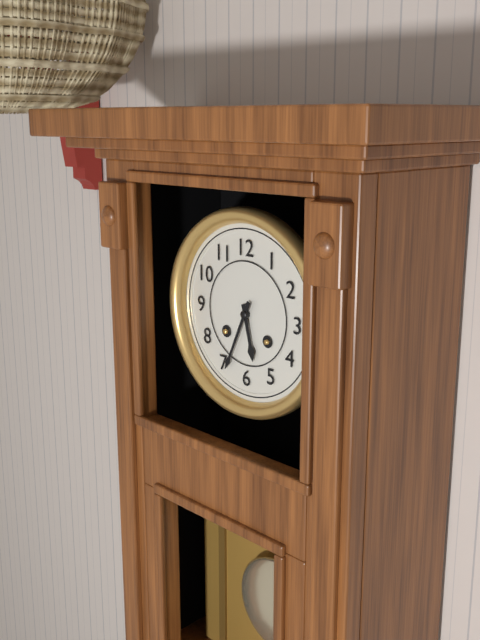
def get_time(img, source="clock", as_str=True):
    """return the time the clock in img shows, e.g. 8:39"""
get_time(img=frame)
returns 5:34
